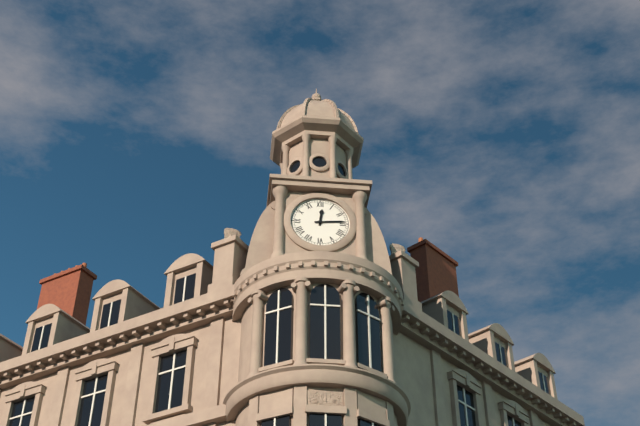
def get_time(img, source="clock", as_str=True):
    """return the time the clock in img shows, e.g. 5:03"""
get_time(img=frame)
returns 12:14
